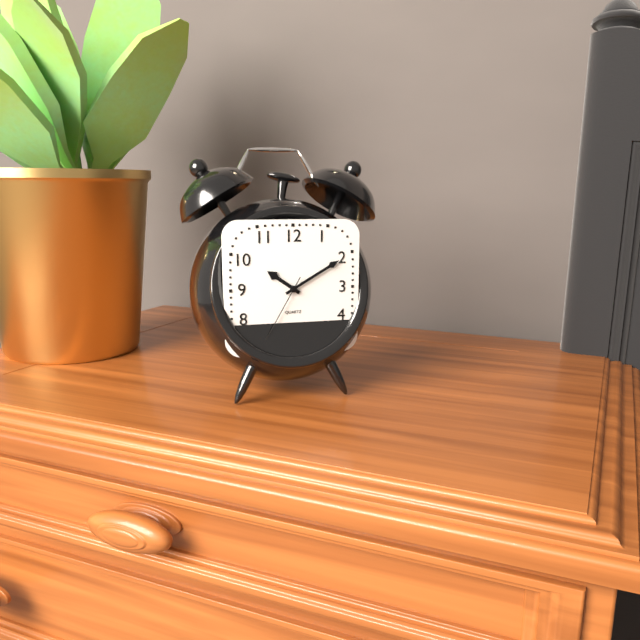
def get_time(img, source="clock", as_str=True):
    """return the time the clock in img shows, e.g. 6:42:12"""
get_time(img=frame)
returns 10:10:35
